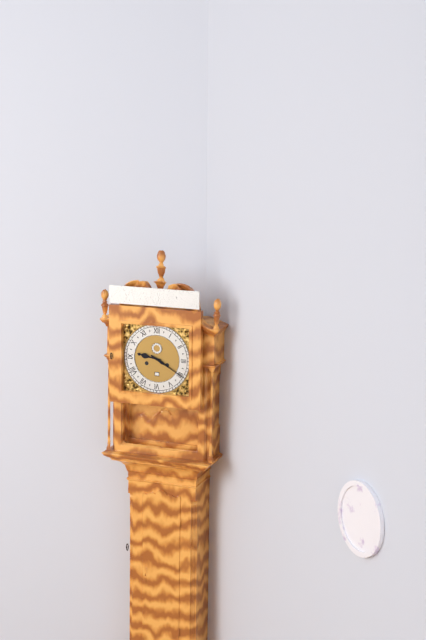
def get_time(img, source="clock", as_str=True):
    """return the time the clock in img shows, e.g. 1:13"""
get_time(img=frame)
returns 9:20
